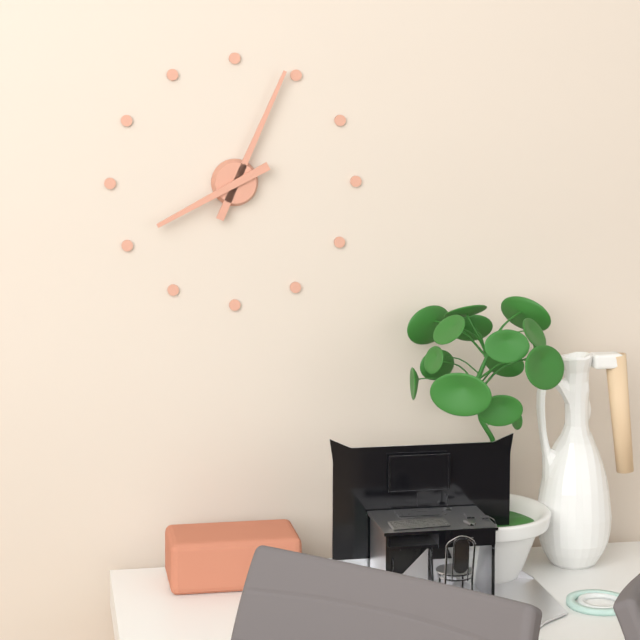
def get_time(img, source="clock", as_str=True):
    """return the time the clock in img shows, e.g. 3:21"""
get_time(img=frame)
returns 8:04
